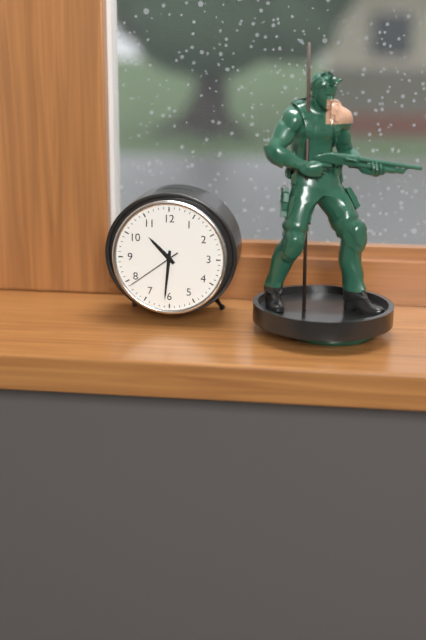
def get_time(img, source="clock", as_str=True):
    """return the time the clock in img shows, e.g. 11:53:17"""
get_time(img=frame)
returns 10:31:39
